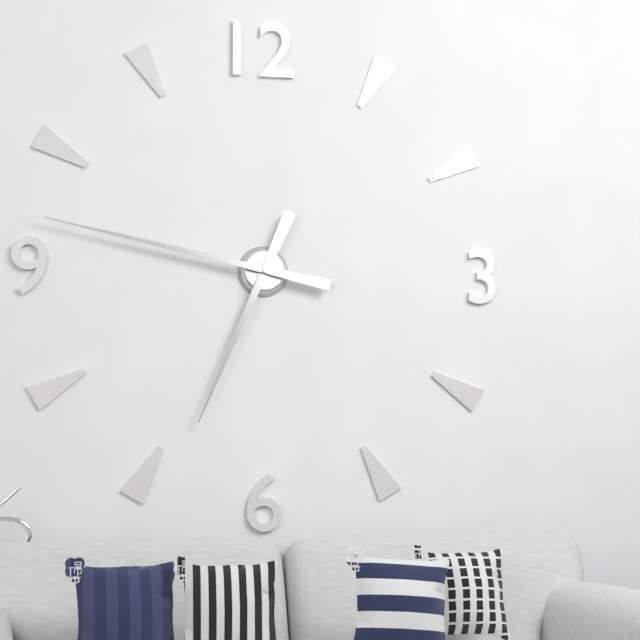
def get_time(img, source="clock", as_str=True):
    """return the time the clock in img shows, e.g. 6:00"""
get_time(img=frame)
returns 6:47
